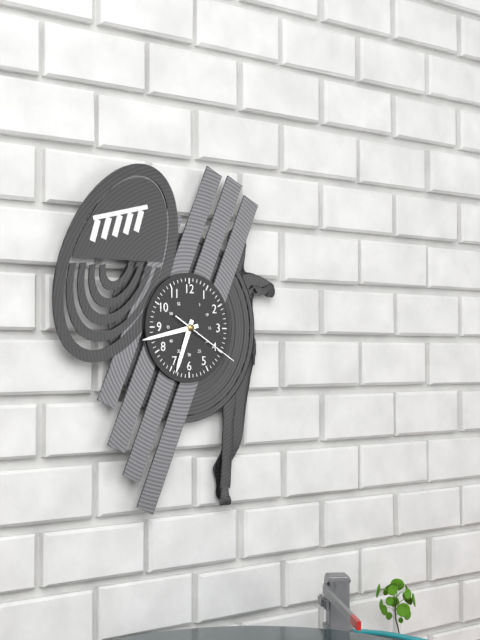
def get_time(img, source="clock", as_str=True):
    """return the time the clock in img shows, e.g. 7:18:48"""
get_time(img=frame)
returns 6:43:20
